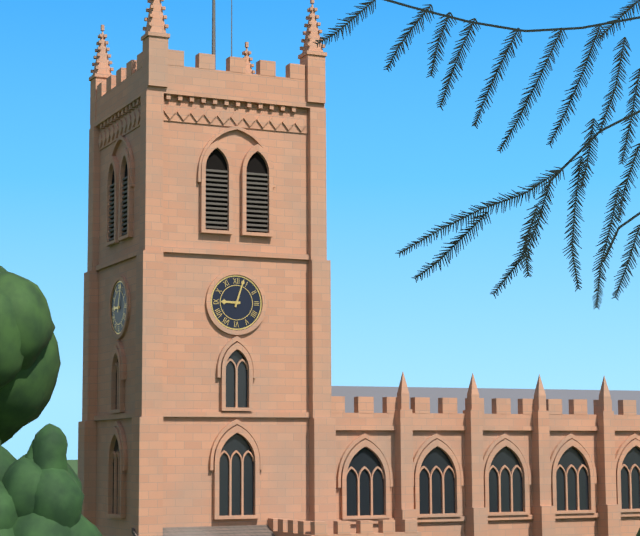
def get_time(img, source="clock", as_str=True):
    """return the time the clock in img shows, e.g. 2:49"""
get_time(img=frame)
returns 9:03
